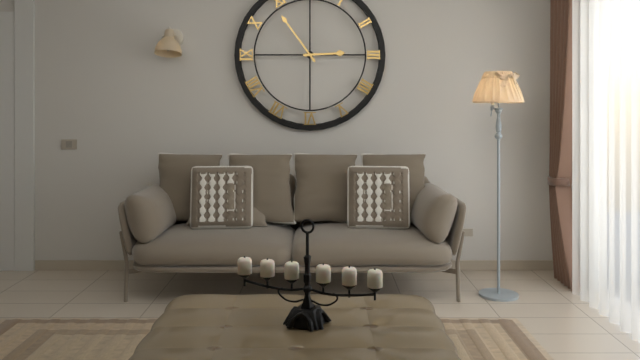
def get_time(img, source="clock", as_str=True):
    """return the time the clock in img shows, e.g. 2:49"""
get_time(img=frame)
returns 2:54
